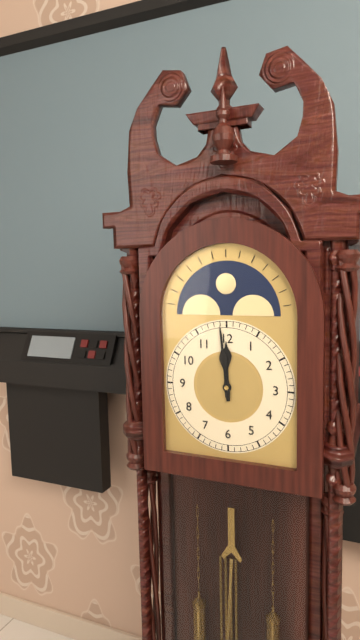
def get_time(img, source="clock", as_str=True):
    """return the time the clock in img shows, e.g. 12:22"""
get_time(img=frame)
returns 11:59
